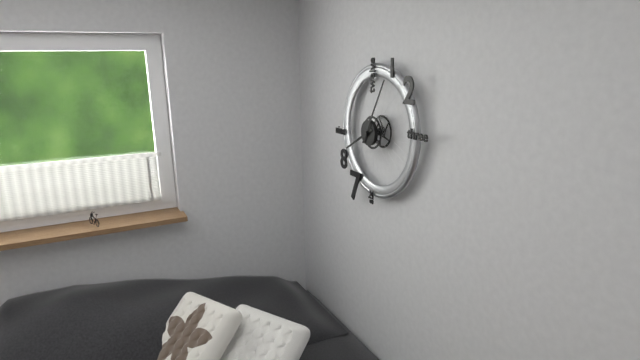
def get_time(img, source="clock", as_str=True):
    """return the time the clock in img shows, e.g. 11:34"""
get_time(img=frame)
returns 8:05
